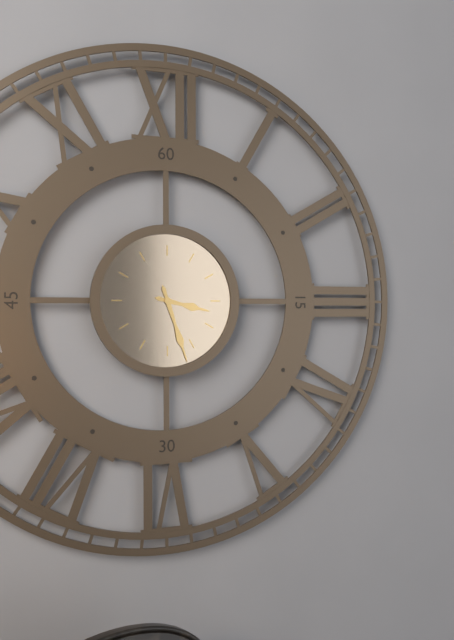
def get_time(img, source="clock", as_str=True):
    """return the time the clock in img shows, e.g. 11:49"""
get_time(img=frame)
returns 3:27
